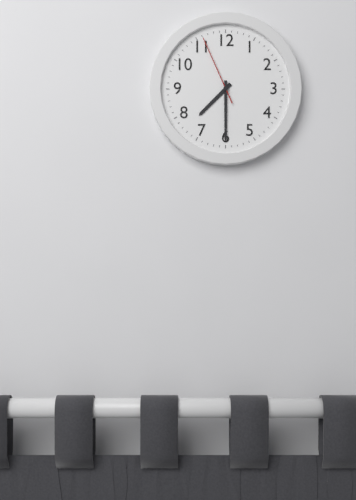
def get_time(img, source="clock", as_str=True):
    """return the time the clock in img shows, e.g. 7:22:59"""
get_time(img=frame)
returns 7:30:56
